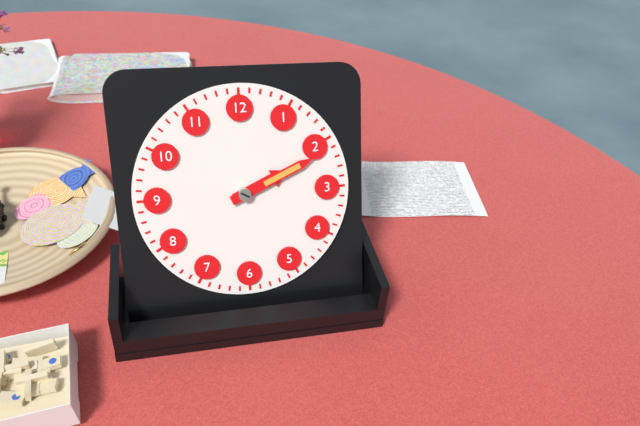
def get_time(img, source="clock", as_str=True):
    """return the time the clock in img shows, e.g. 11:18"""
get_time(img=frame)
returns 2:11
